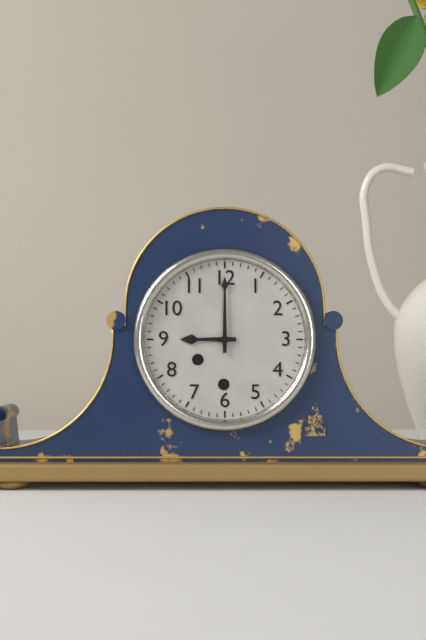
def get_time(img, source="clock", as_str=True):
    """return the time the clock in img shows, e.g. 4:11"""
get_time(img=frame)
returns 9:00
